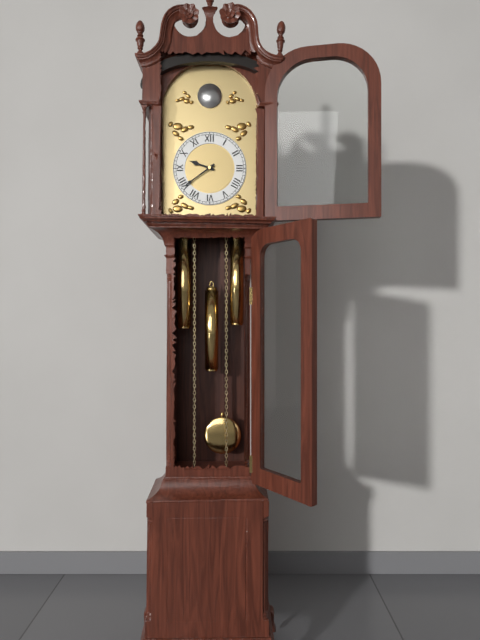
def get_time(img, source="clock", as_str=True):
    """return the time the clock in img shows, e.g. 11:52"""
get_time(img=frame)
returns 9:39
